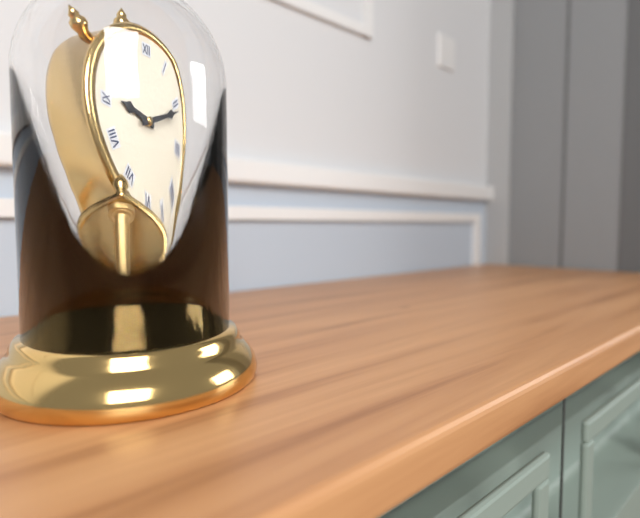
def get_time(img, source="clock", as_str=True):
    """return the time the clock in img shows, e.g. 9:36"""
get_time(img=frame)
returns 9:11
